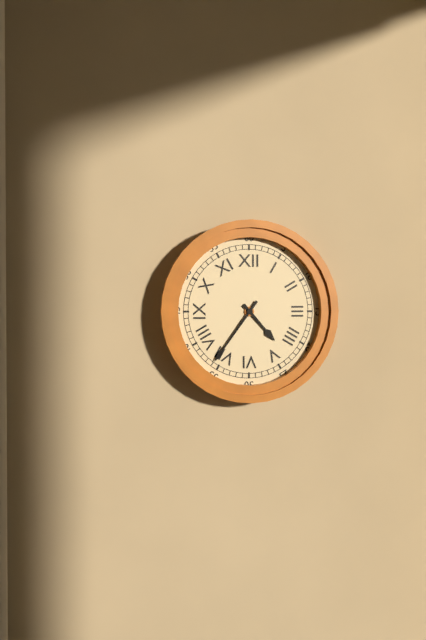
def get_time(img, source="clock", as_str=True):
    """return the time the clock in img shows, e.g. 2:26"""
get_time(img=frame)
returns 4:36
